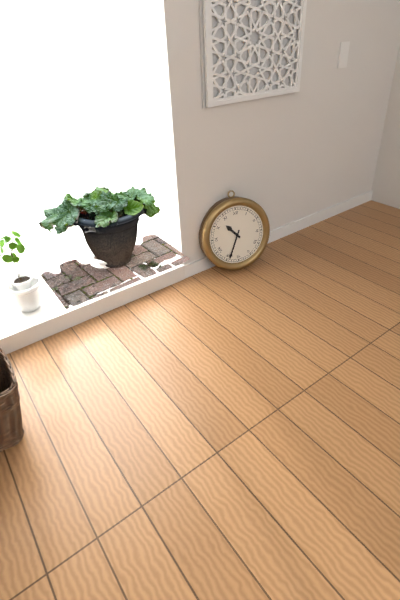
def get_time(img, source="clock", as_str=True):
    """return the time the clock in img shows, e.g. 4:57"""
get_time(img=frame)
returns 10:34
